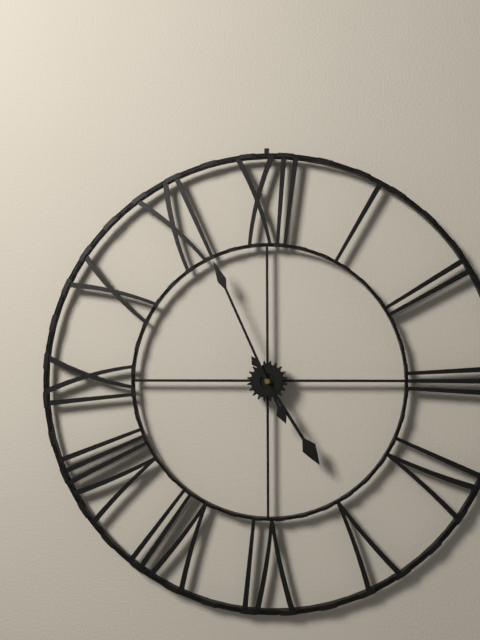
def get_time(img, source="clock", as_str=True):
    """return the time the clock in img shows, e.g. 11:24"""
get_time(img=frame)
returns 4:56
